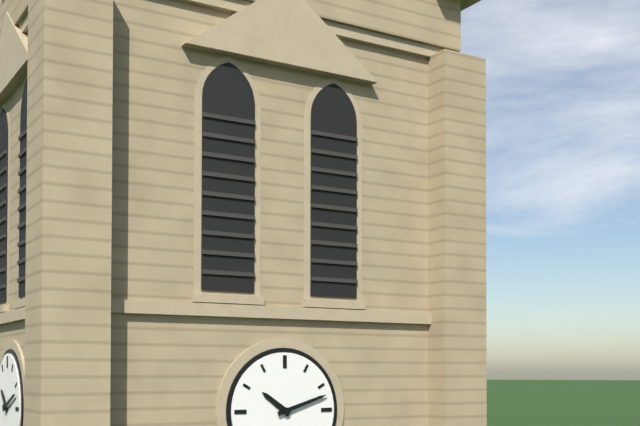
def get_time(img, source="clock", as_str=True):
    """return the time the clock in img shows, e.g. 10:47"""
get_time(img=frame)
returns 10:12
